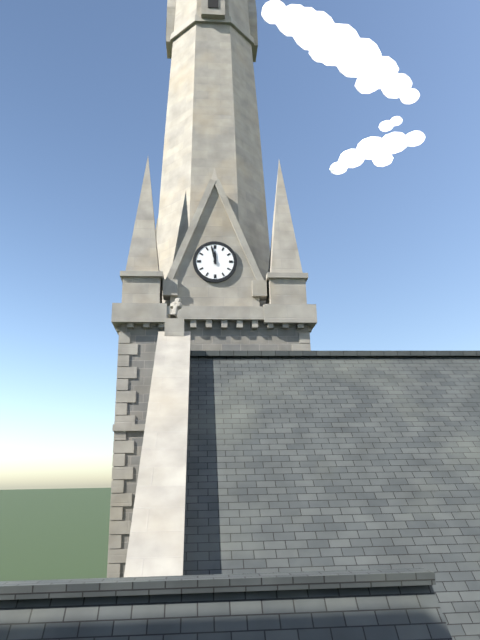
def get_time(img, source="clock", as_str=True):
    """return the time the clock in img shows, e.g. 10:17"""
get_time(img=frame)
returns 11:58
